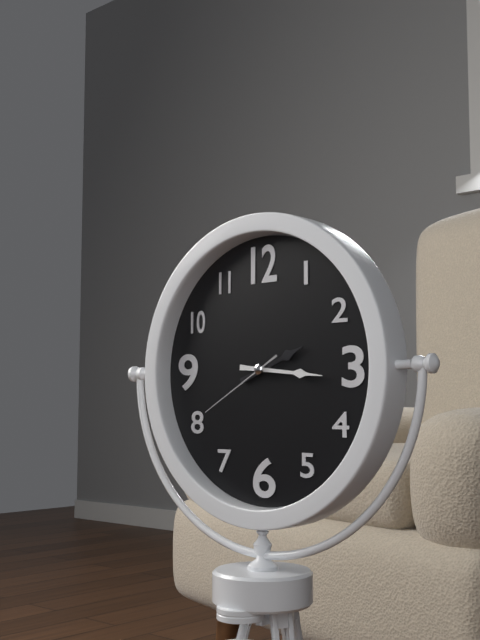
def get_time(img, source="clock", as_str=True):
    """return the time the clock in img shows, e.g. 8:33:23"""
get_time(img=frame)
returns 2:16:40
